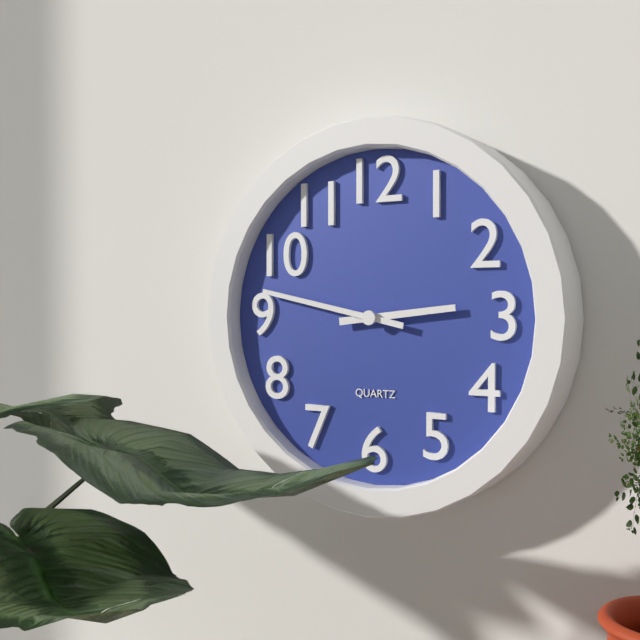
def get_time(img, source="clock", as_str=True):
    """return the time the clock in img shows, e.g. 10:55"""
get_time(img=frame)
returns 2:47
